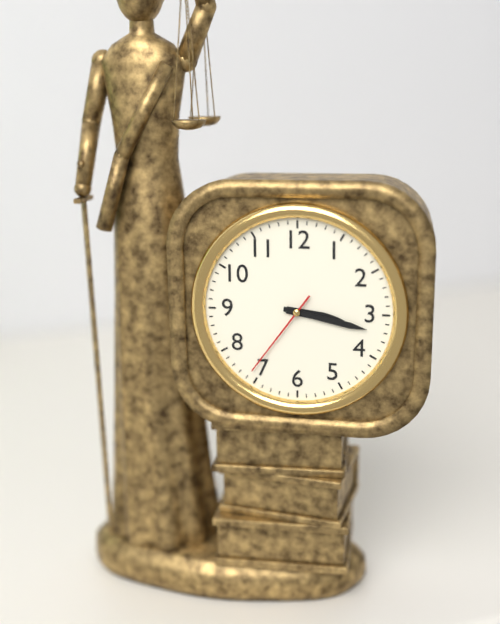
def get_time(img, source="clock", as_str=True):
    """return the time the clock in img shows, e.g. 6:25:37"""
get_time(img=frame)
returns 3:17:36
